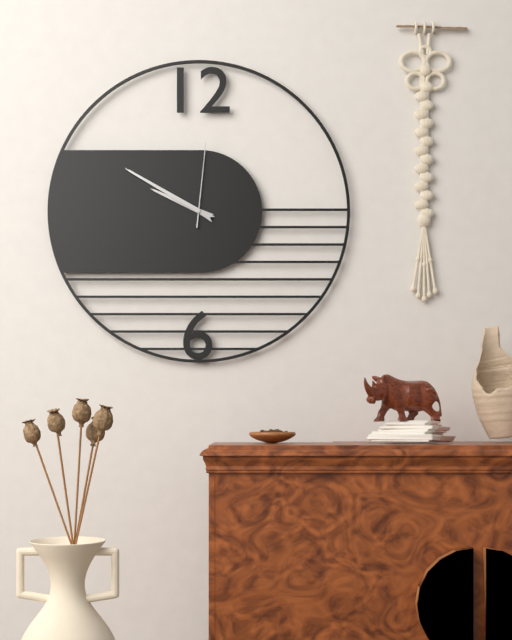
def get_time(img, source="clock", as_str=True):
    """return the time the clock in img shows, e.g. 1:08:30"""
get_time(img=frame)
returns 9:50:01
